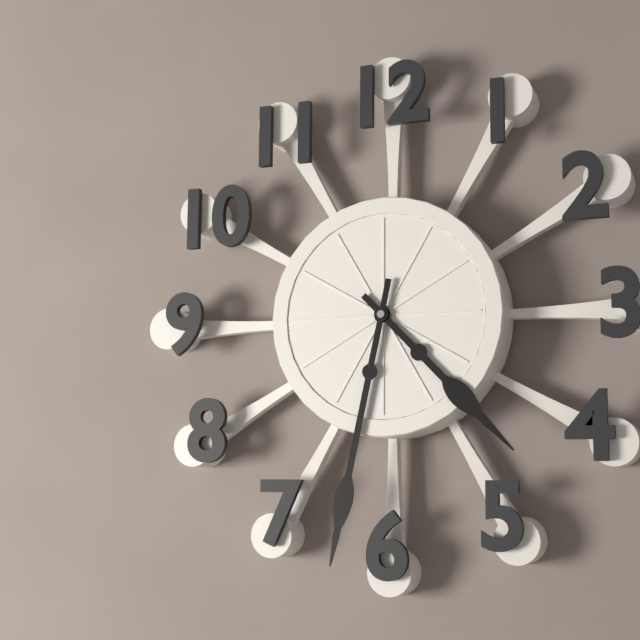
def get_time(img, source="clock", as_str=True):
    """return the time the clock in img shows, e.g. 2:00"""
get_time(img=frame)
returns 4:32
